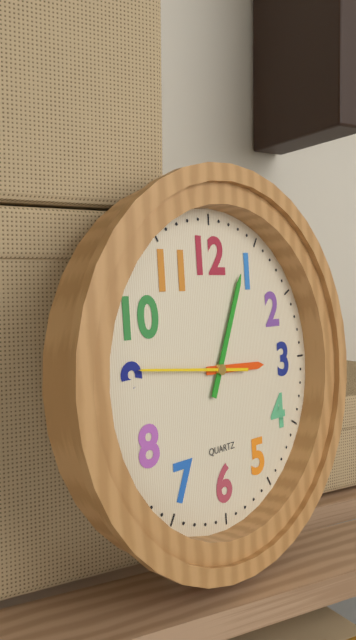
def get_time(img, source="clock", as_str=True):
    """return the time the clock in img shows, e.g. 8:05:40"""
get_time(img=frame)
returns 3:04:46
